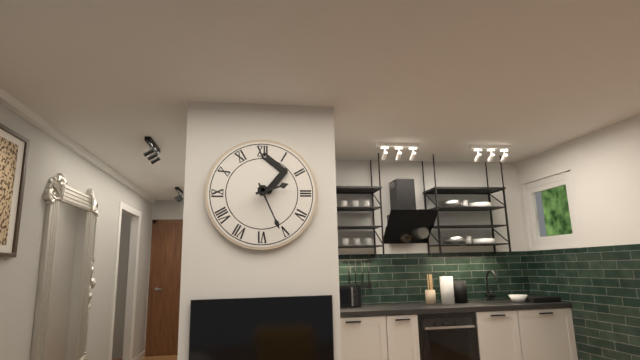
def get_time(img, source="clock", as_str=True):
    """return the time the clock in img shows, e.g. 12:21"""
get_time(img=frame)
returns 2:26
